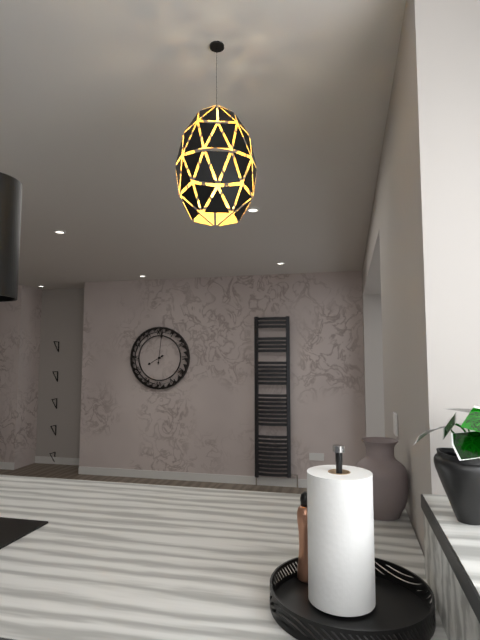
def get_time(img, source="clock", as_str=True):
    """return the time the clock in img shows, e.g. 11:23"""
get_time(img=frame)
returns 8:01
